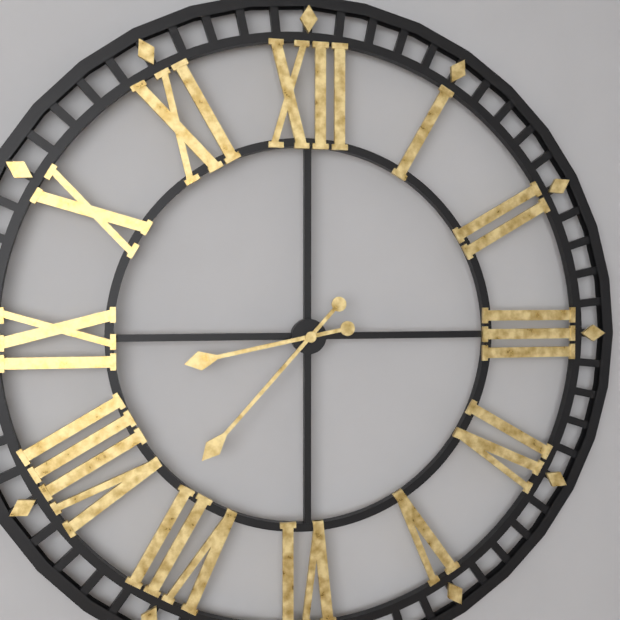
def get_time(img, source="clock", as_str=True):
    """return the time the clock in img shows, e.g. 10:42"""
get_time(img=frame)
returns 8:37
